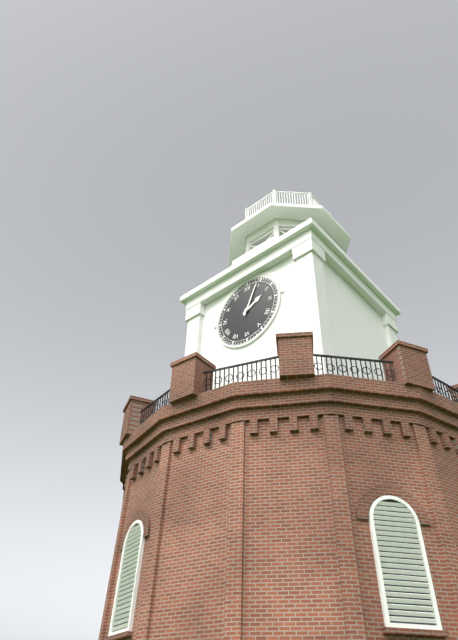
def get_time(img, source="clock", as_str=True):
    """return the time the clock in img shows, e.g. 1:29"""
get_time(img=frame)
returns 2:04
